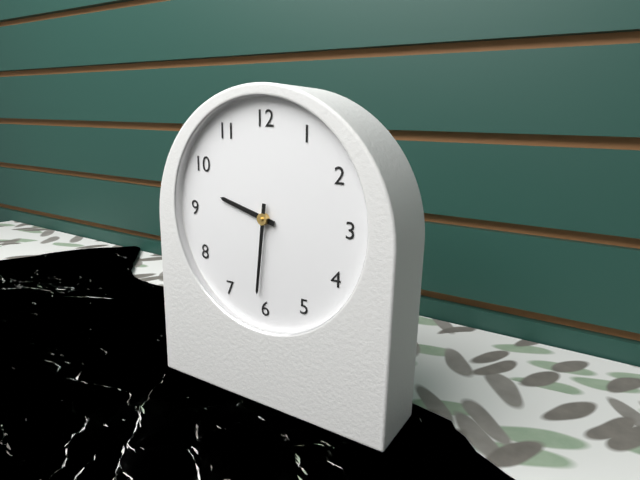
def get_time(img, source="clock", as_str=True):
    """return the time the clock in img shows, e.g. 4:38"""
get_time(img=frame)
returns 9:31
